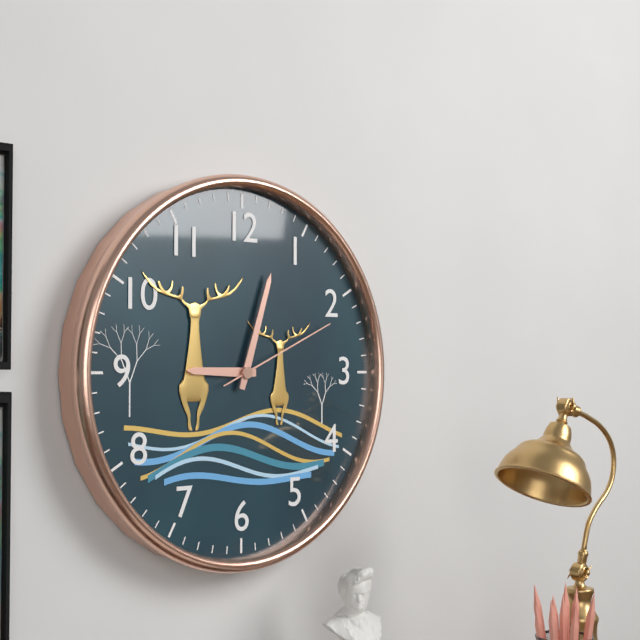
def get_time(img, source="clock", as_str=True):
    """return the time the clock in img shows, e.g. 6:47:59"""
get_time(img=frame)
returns 9:03:11
